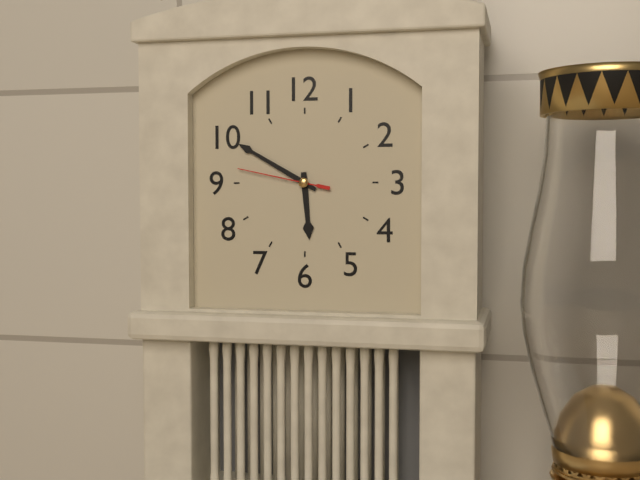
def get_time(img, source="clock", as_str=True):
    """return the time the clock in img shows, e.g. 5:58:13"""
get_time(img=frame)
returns 5:50:47
